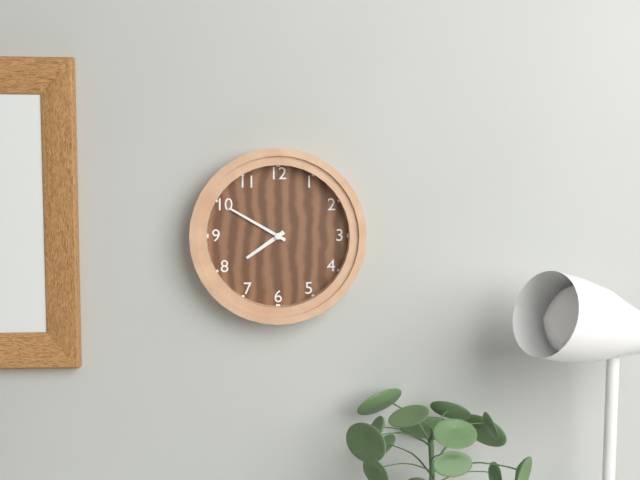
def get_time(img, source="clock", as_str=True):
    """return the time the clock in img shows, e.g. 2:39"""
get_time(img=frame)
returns 7:50
